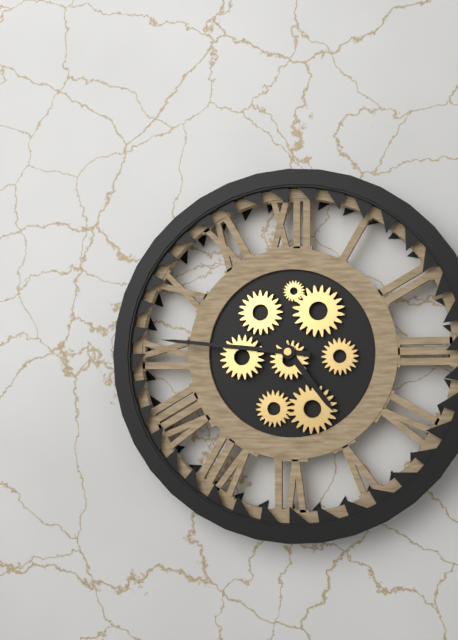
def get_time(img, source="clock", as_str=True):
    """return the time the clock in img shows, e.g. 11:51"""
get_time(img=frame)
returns 4:46
